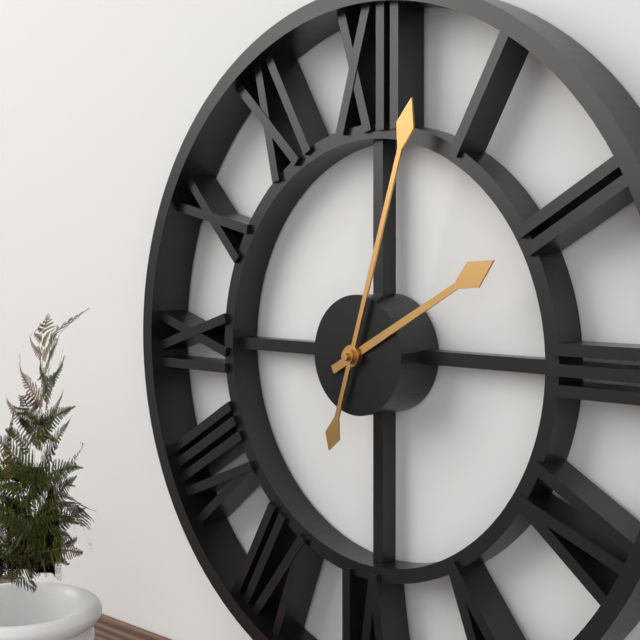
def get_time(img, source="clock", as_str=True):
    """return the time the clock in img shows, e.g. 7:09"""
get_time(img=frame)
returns 2:03
